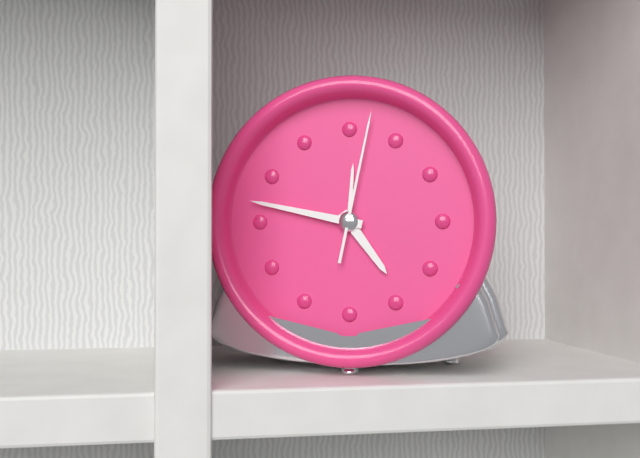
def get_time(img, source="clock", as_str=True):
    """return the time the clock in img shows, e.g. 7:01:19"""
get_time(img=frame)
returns 4:47:02
